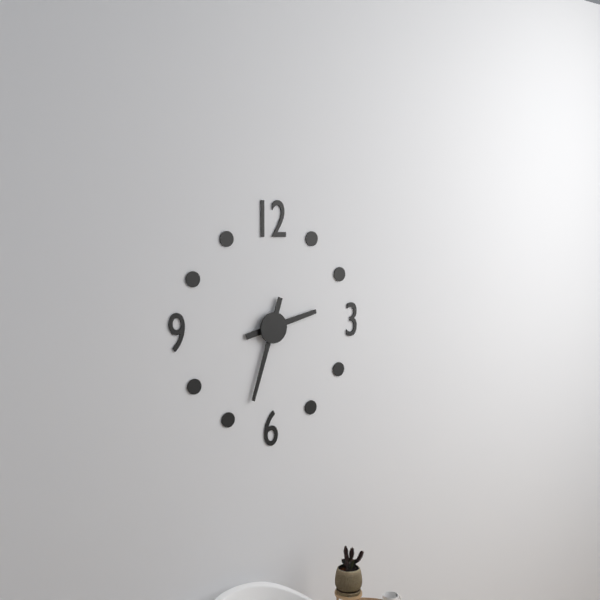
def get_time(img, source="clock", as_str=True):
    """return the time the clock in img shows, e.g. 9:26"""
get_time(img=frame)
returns 2:33
